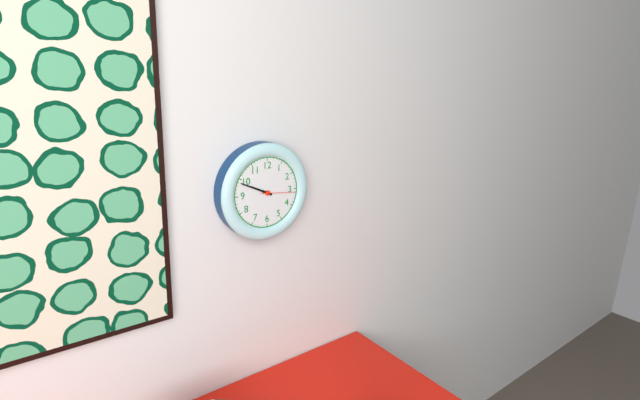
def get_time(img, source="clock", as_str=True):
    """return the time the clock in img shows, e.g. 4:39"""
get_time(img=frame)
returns 9:49
